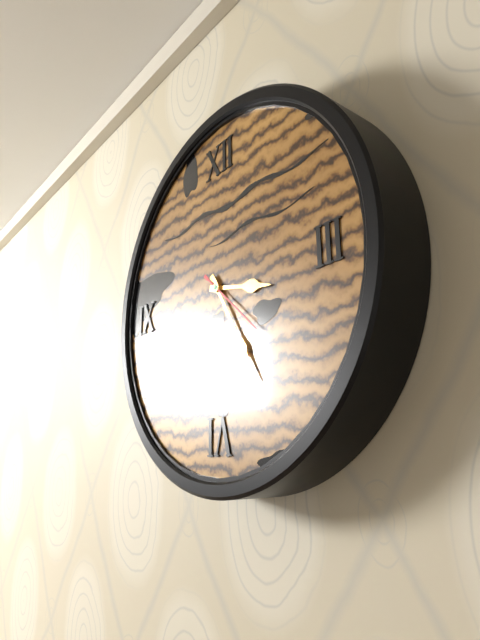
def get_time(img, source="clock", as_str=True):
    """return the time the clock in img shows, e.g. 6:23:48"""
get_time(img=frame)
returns 3:25:22
